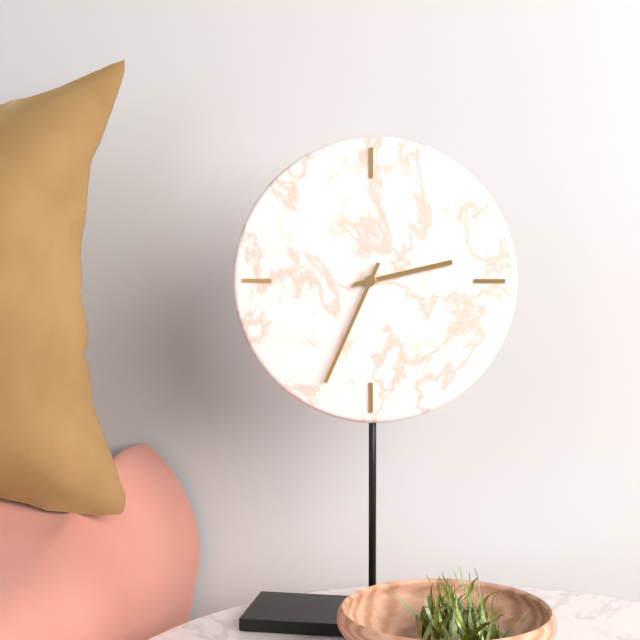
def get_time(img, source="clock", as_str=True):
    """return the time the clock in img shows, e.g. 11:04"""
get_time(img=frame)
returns 2:34
